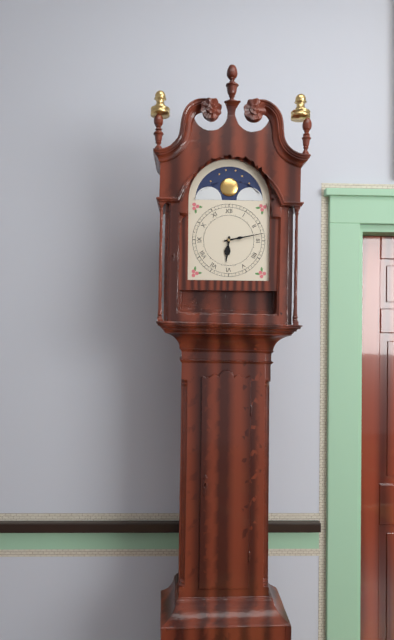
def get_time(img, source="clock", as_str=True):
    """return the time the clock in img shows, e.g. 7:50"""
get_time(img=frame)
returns 6:13
